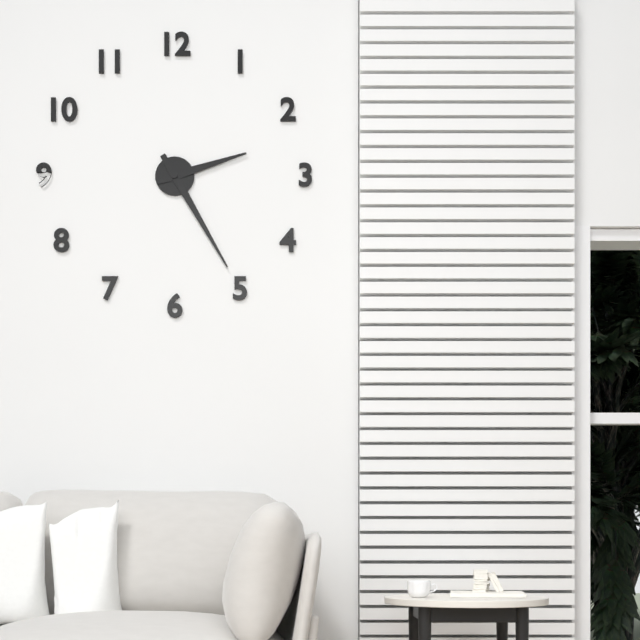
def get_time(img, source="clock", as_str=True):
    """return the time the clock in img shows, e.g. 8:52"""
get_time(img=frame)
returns 2:25
